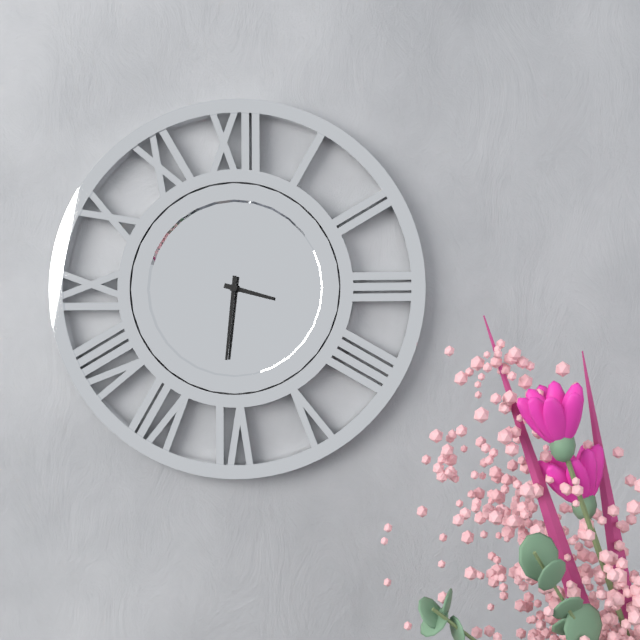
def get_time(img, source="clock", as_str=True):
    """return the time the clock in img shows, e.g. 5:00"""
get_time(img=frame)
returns 3:31
